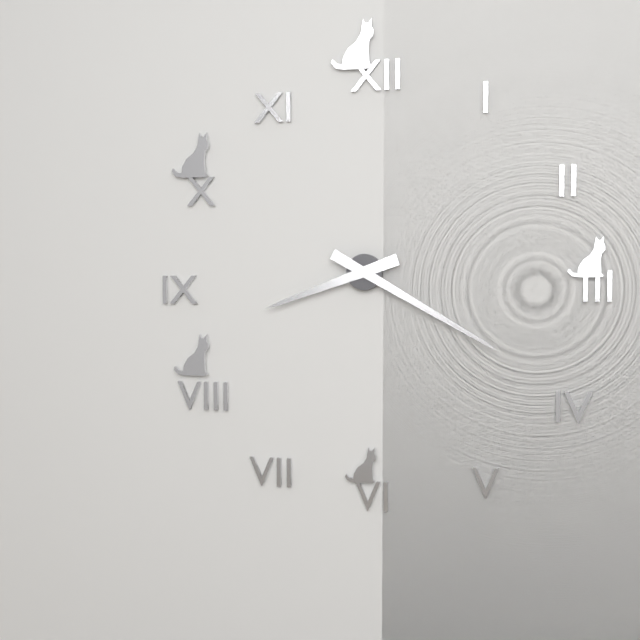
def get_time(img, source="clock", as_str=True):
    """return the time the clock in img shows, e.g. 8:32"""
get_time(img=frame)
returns 8:20
